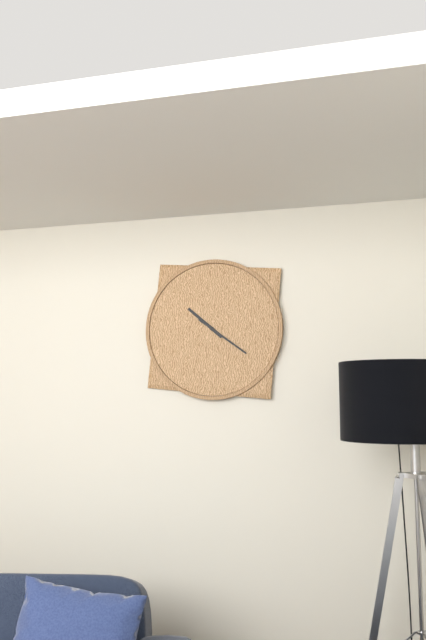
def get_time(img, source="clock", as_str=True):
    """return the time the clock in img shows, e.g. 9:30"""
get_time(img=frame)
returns 10:21
